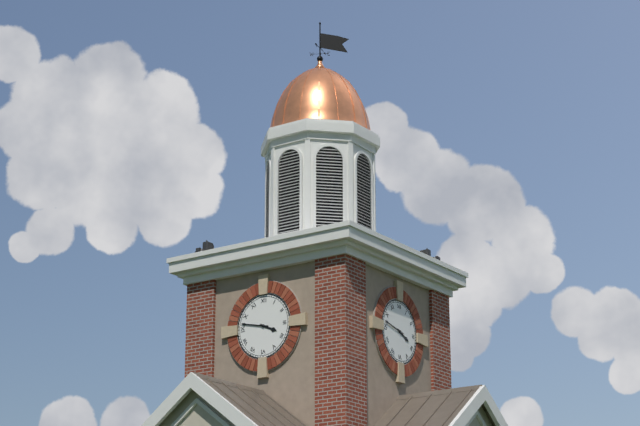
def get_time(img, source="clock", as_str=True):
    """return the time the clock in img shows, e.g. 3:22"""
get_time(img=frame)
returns 3:47
